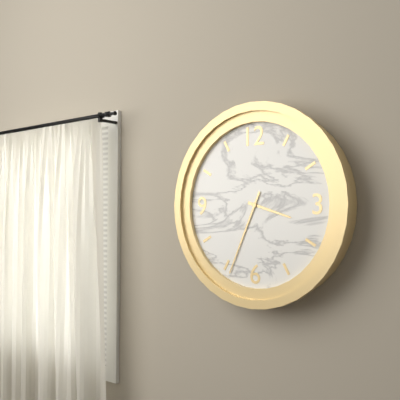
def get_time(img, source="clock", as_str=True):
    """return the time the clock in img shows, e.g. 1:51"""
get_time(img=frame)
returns 3:34
